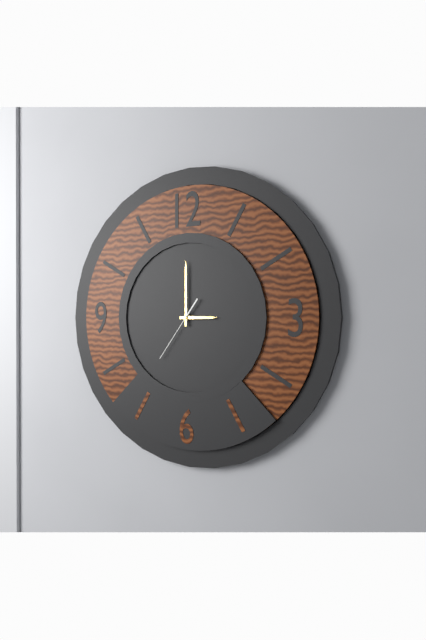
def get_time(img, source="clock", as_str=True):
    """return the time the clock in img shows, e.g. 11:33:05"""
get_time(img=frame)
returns 3:00:36
